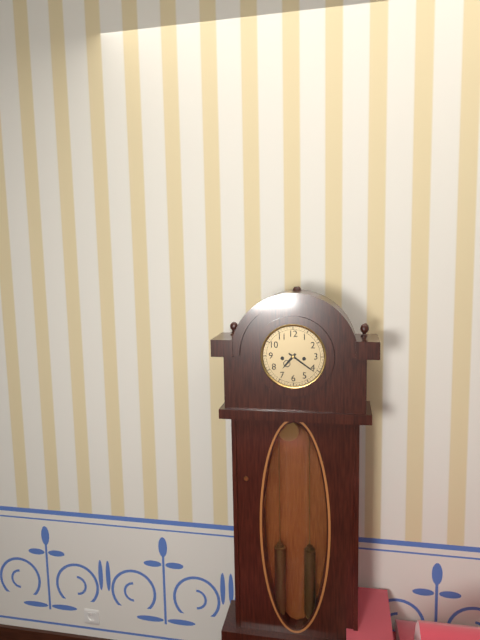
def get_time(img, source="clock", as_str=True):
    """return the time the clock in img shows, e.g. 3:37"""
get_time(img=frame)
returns 7:21
